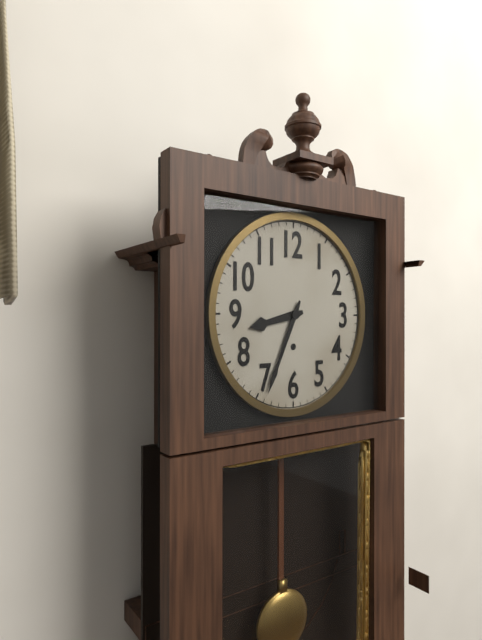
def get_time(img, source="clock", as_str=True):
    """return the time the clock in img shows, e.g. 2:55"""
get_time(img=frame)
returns 8:34
